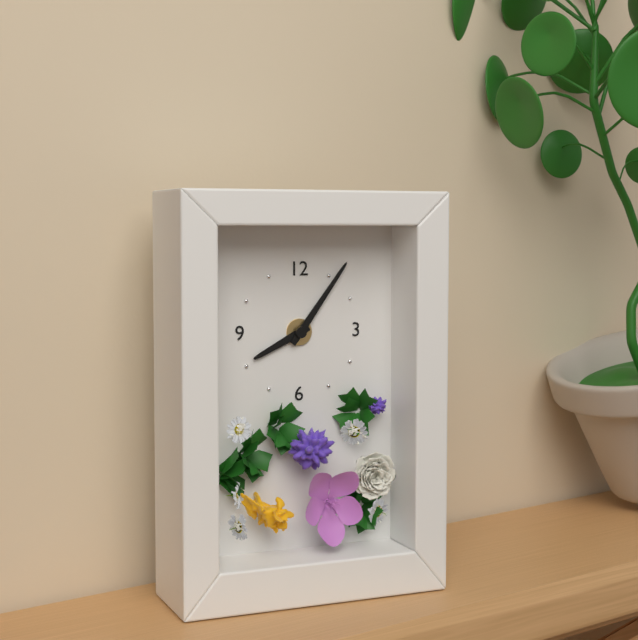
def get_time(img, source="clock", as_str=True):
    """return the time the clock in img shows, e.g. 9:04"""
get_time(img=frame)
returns 8:06
